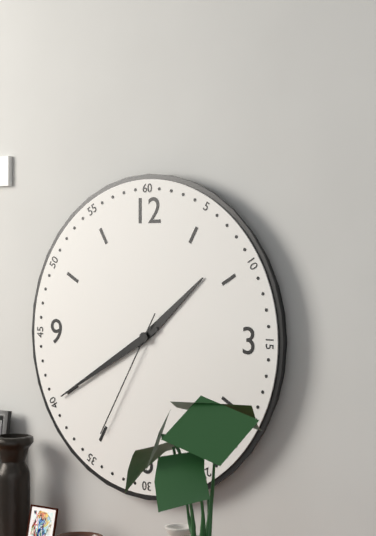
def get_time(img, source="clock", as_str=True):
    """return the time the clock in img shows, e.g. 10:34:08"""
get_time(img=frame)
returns 1:40:35
